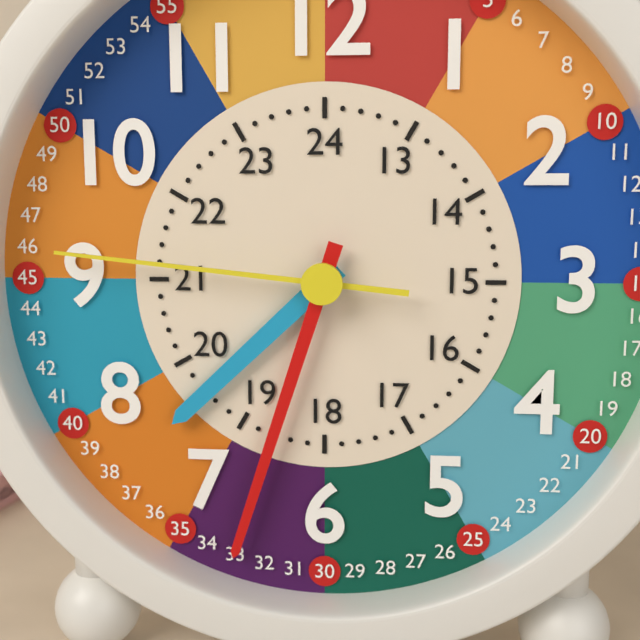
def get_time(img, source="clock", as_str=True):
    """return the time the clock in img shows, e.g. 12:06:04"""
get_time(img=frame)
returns 7:33:46
